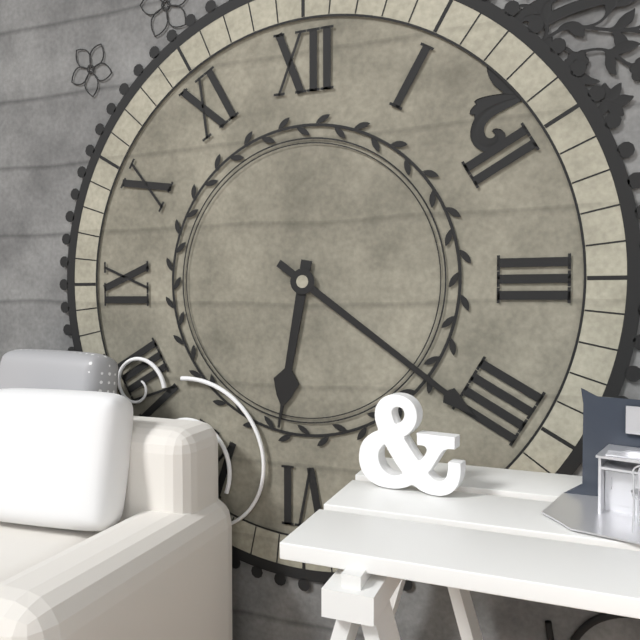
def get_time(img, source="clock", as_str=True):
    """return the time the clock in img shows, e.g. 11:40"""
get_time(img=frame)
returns 6:21
